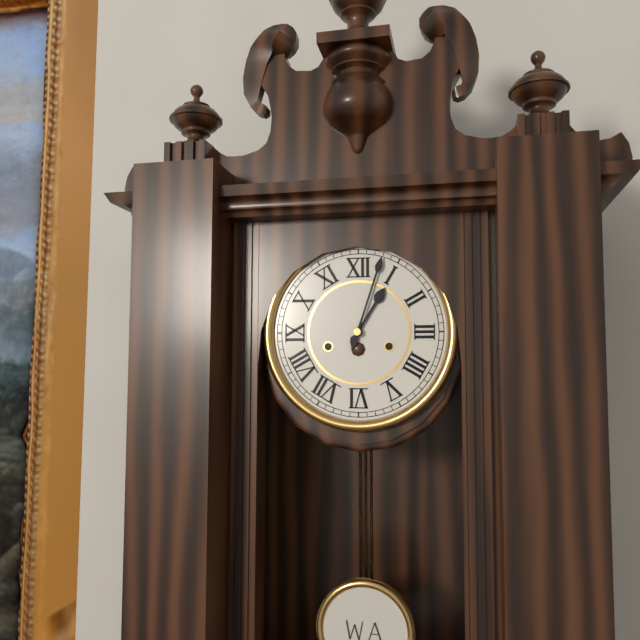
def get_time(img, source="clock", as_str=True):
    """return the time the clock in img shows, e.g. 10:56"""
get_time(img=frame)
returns 1:03
